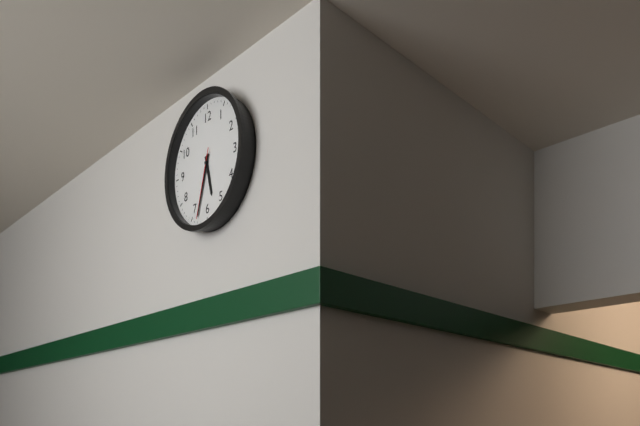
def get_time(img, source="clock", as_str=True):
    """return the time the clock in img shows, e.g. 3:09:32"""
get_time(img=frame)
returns 5:33:33
